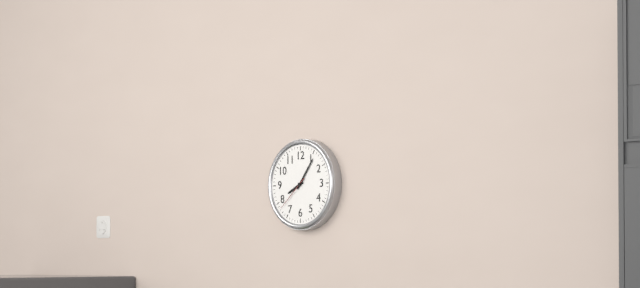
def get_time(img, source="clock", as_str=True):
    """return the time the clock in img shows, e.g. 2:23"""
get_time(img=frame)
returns 8:06
